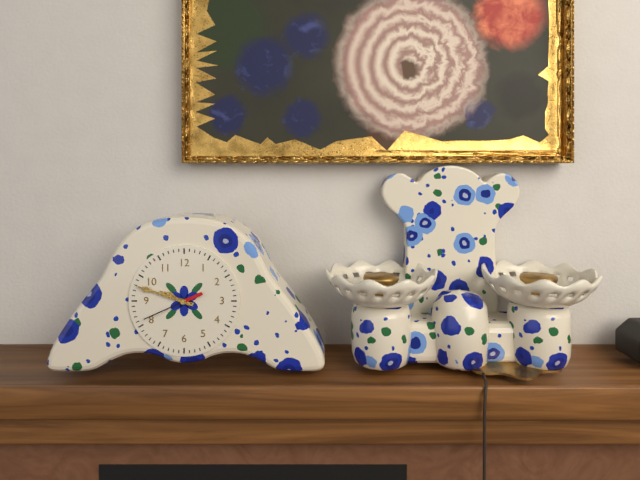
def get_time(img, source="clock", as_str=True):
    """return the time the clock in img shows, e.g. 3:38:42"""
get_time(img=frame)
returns 9:48:41
